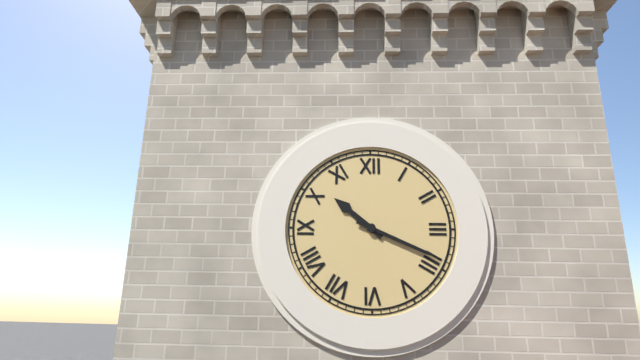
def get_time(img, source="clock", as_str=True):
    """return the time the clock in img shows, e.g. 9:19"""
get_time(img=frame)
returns 10:19
